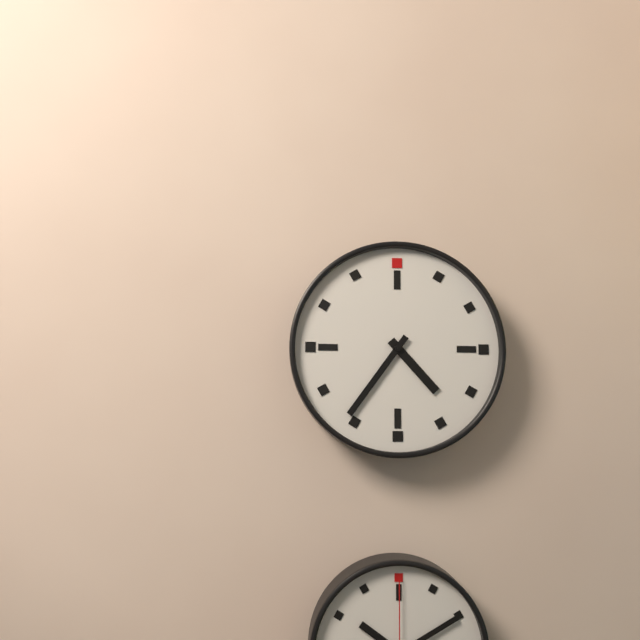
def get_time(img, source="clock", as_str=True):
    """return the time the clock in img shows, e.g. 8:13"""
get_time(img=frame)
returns 4:36
